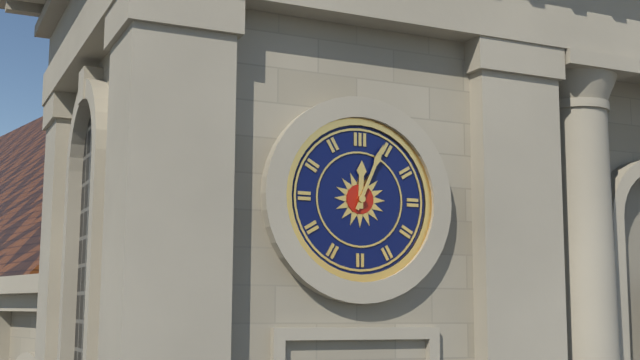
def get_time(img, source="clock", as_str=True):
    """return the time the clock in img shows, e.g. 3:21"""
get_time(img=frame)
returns 12:04
